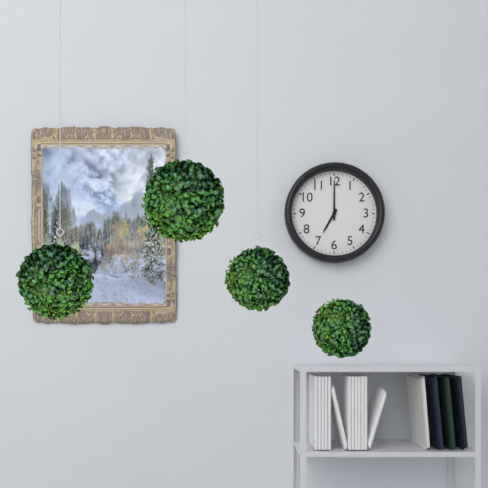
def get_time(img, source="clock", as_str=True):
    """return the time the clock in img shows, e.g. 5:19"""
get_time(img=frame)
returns 7:00
